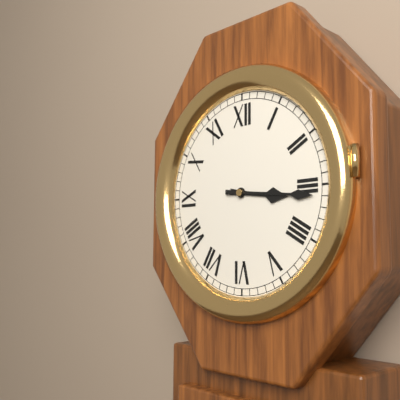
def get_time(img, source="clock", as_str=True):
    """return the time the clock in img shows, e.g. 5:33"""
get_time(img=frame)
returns 3:16
